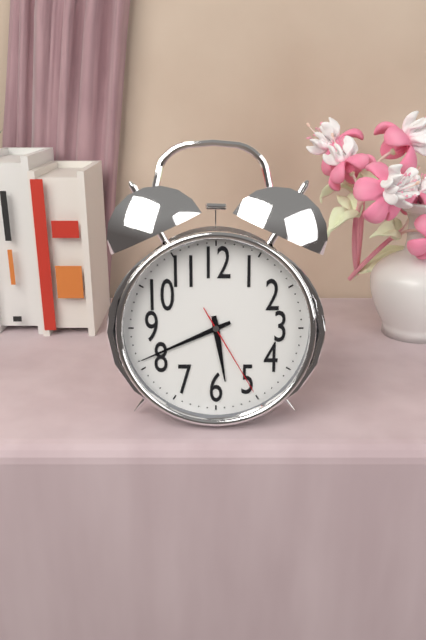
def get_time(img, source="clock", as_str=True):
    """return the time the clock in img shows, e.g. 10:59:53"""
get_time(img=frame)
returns 5:41:25
